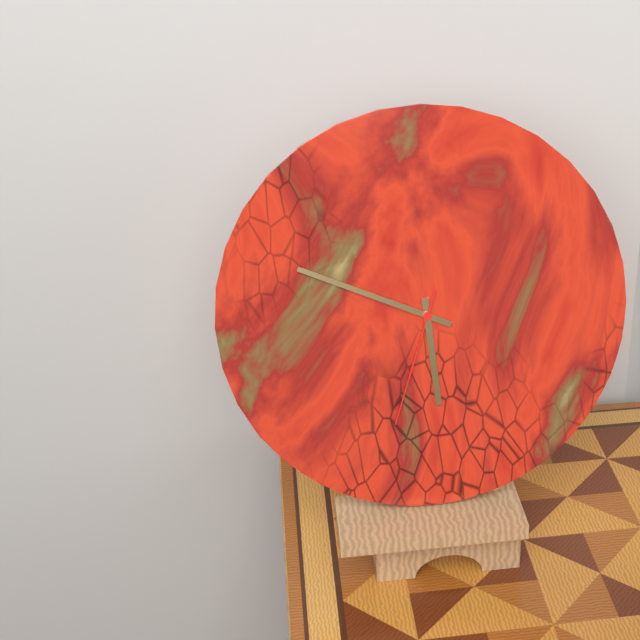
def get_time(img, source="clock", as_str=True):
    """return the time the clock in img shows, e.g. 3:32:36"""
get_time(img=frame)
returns 5:49:33
